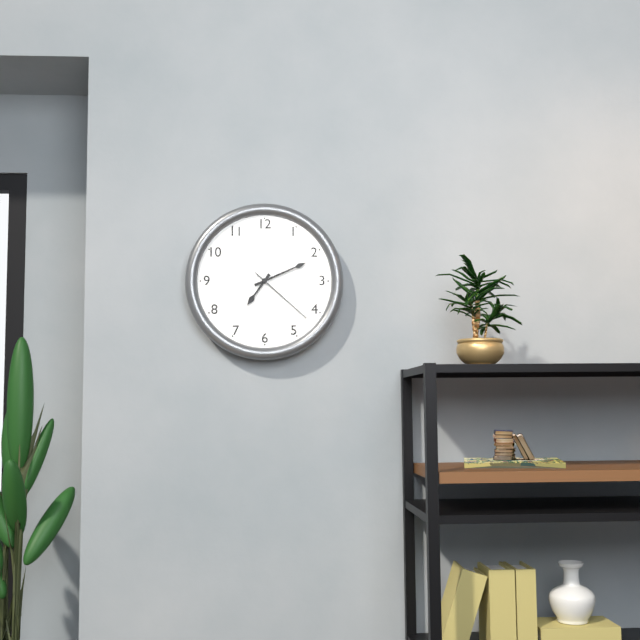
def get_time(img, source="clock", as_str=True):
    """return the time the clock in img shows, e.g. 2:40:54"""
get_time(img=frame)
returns 7:11:22
